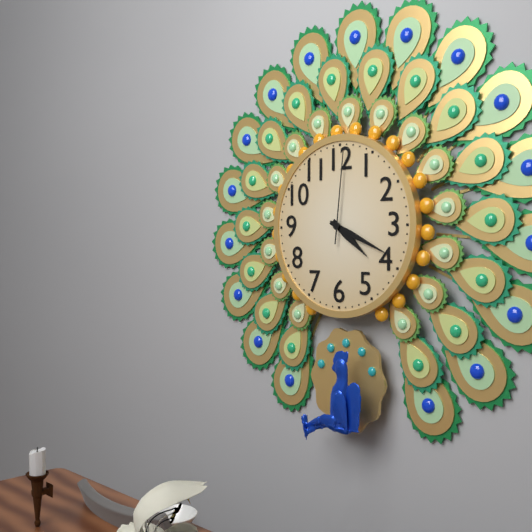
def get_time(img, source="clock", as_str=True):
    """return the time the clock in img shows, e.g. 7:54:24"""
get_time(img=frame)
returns 4:19:01
